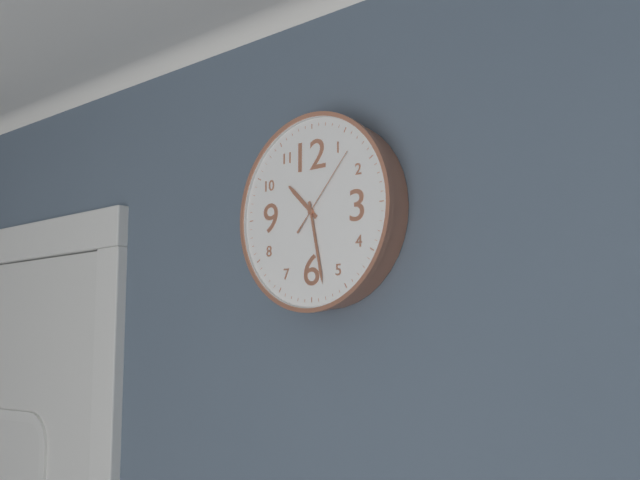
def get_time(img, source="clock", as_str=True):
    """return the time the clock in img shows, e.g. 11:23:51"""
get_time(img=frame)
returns 10:28:07
